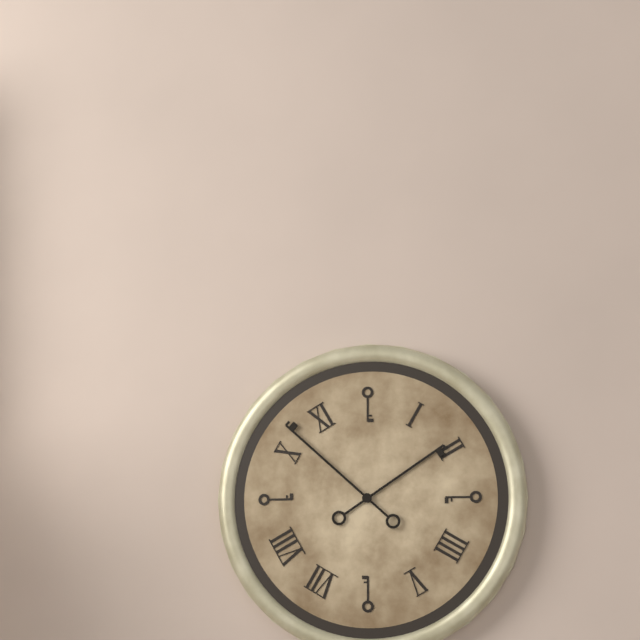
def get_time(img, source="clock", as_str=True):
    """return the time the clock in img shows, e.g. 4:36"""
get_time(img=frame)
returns 1:52
